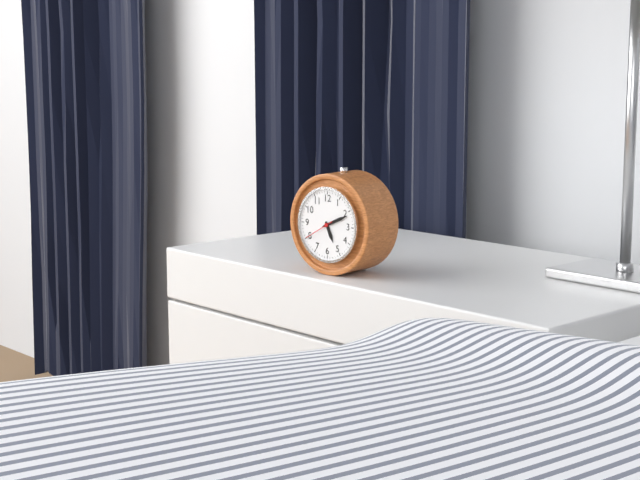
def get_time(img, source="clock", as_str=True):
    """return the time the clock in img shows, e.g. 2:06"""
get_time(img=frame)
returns 5:11
